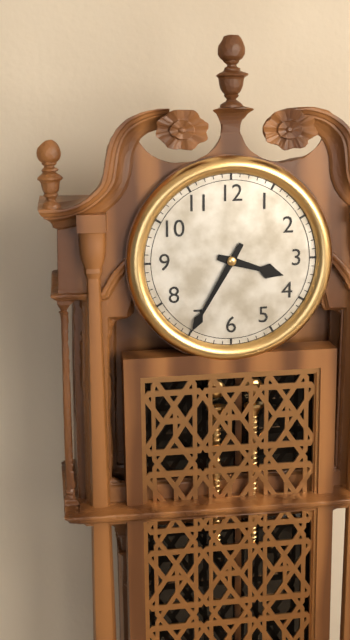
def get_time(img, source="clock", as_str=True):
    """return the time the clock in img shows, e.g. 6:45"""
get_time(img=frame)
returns 3:35
